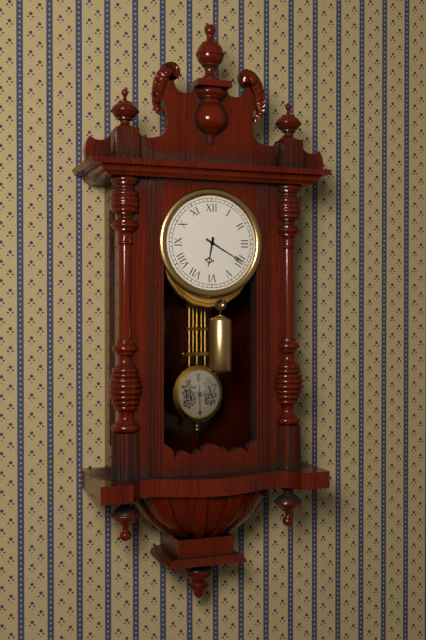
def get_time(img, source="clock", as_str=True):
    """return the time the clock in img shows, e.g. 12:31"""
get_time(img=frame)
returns 6:20
